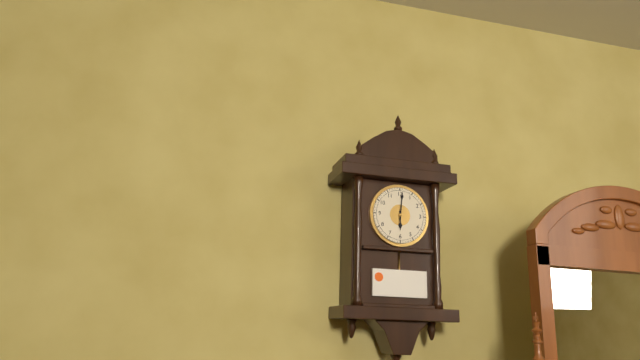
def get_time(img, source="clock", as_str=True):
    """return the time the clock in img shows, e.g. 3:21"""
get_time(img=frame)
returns 6:01
